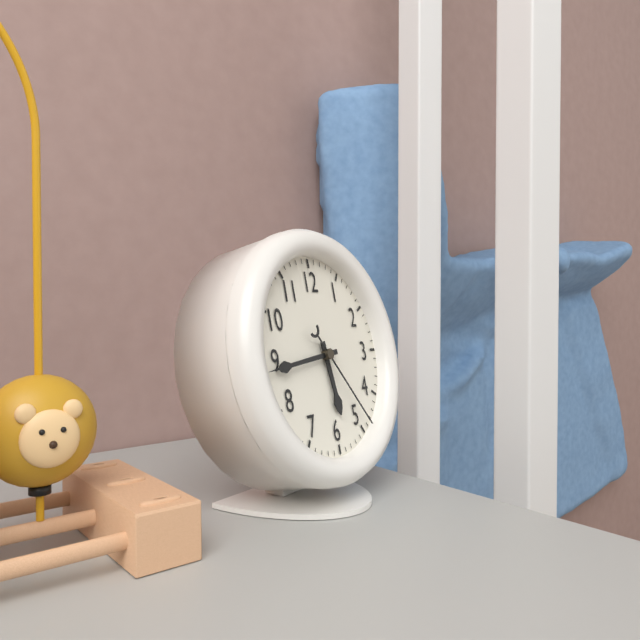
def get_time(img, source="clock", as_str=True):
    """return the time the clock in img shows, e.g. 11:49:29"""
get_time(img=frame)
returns 5:44:24
